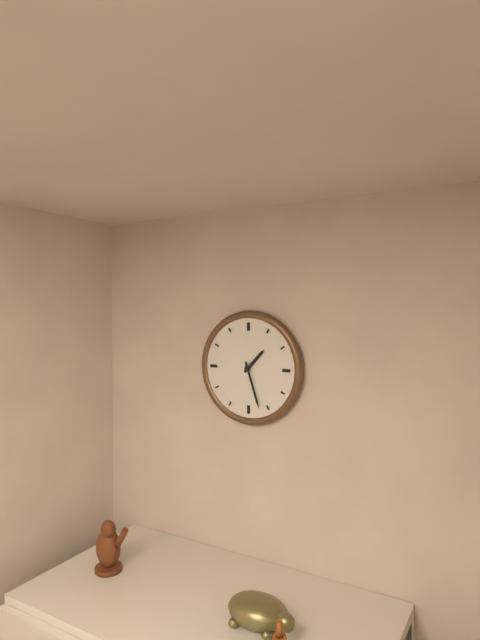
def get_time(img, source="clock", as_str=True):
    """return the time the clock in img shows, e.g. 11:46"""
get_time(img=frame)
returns 1:27
